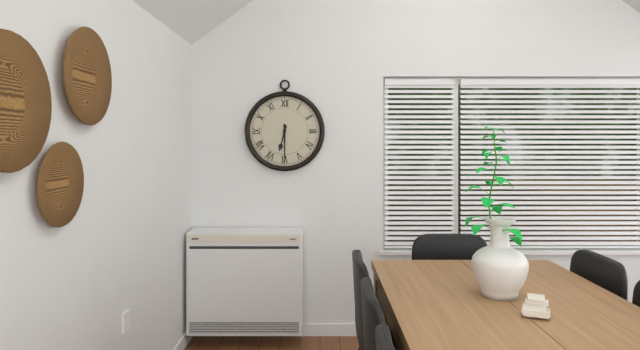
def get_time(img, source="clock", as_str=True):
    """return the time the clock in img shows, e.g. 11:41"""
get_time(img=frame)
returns 6:30
